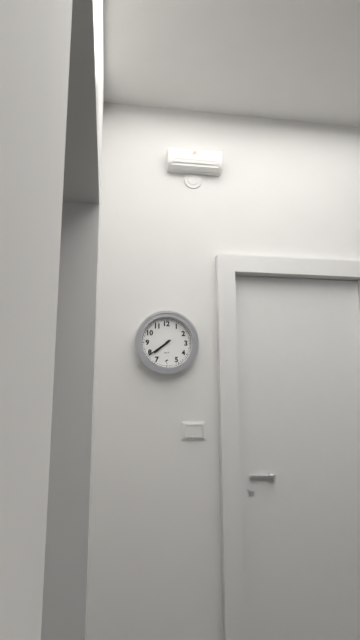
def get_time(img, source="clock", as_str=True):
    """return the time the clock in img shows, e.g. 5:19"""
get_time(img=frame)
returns 7:39
